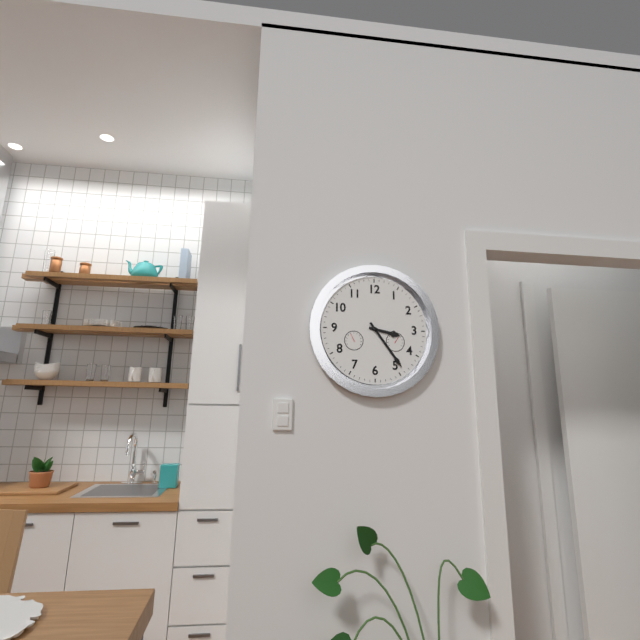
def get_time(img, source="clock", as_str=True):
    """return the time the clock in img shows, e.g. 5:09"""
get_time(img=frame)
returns 3:24
